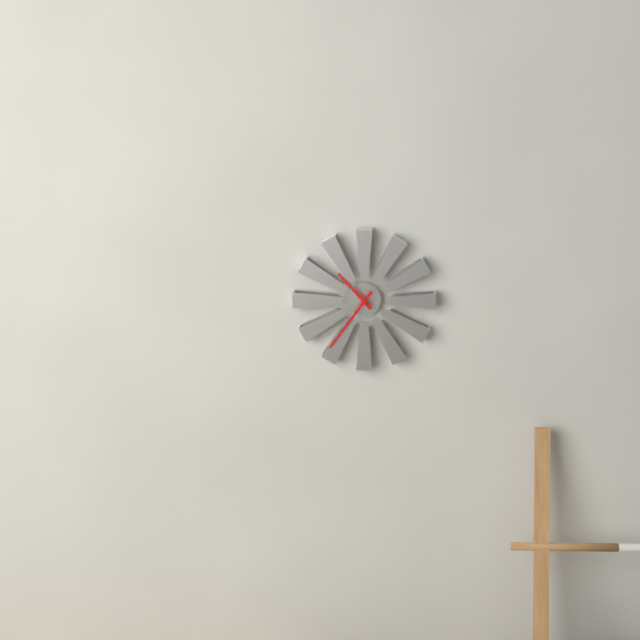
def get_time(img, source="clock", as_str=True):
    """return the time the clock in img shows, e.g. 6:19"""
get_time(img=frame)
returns 10:36
